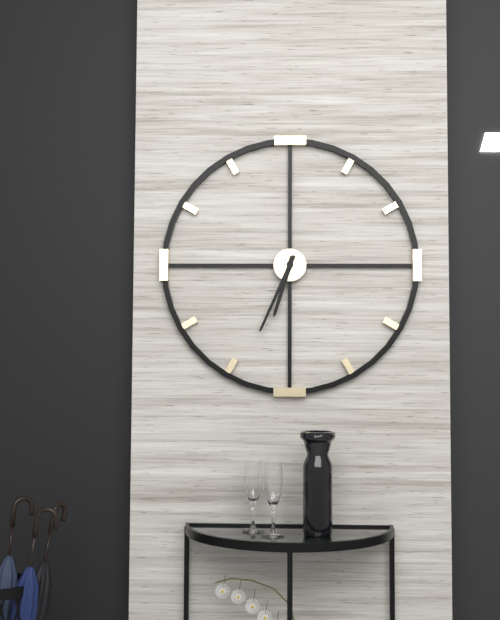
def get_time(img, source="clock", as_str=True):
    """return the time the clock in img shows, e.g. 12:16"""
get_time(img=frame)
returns 6:34
